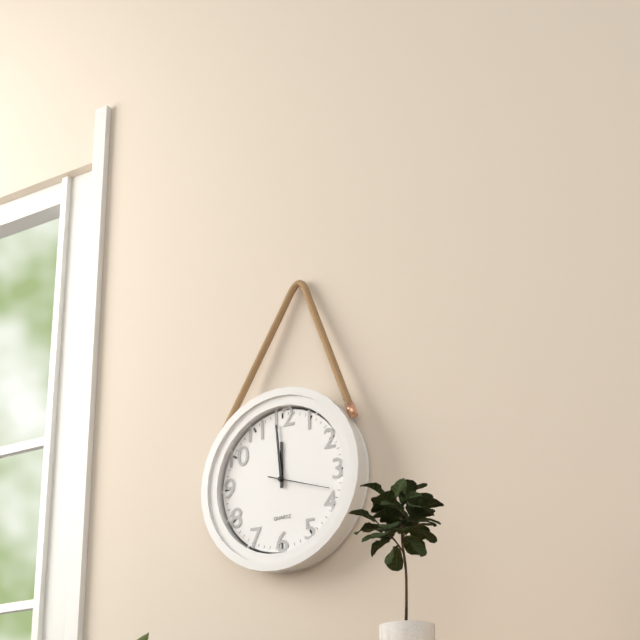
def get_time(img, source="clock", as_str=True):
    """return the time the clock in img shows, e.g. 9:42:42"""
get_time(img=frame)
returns 11:59:18
